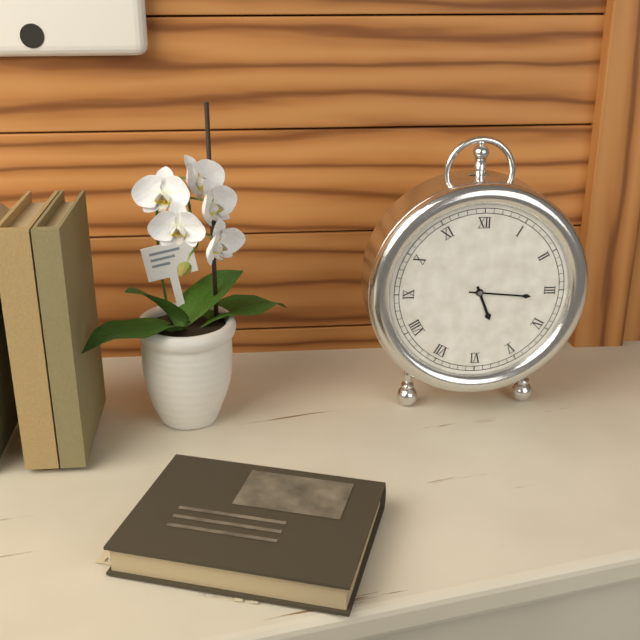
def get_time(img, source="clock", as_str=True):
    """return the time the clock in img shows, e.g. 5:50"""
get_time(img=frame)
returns 5:16
